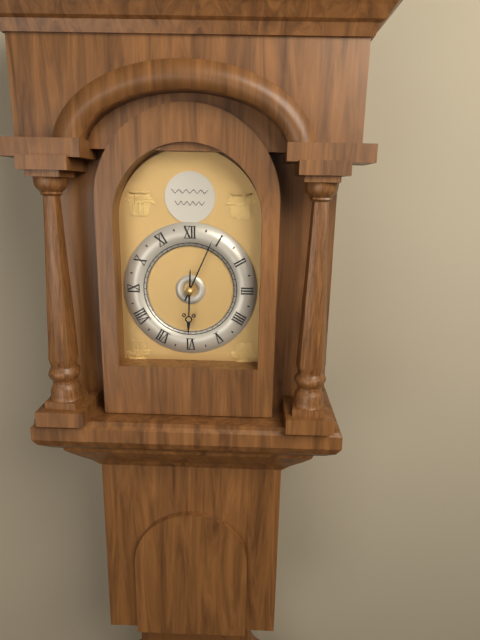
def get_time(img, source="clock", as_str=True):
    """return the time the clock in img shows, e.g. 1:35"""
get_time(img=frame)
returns 6:04
